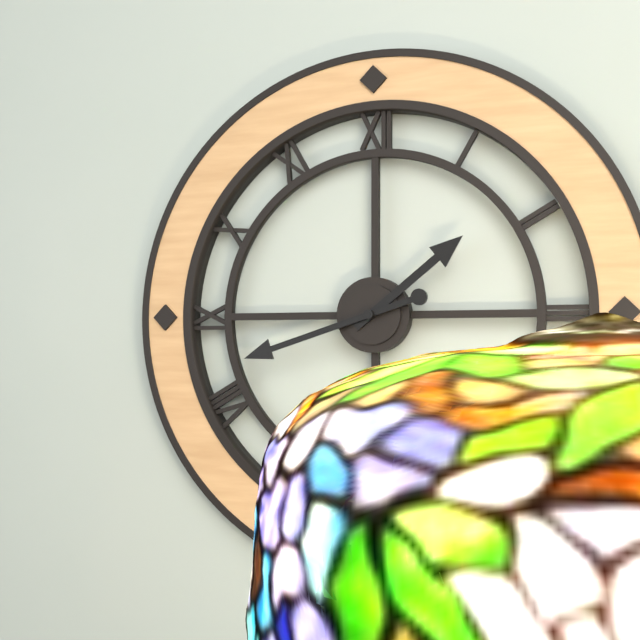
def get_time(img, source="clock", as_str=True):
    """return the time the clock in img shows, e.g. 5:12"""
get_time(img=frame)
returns 1:42
